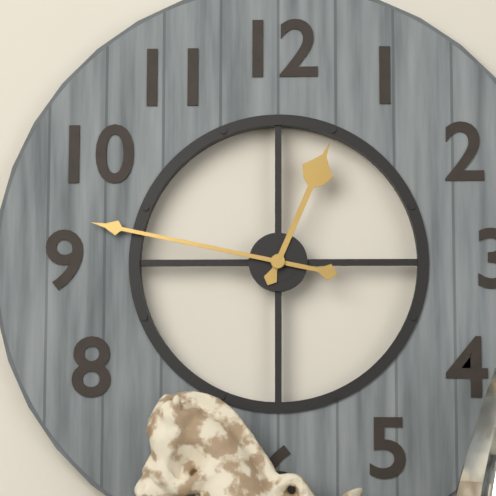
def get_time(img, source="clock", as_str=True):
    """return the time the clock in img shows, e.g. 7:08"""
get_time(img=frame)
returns 12:47
